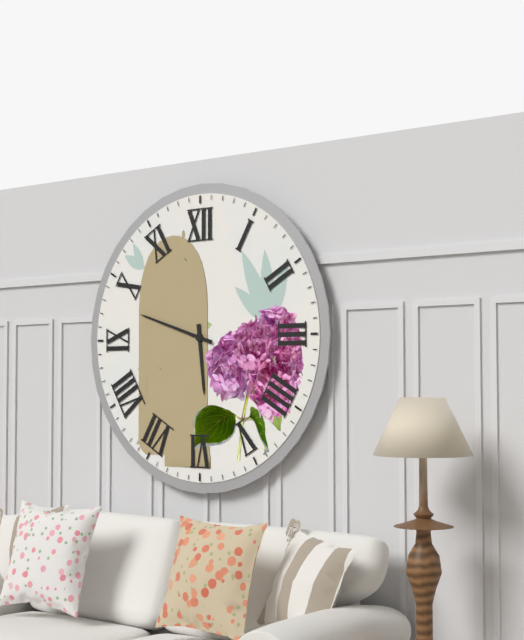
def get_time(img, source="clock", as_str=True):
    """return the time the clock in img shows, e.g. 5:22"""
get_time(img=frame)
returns 5:48
